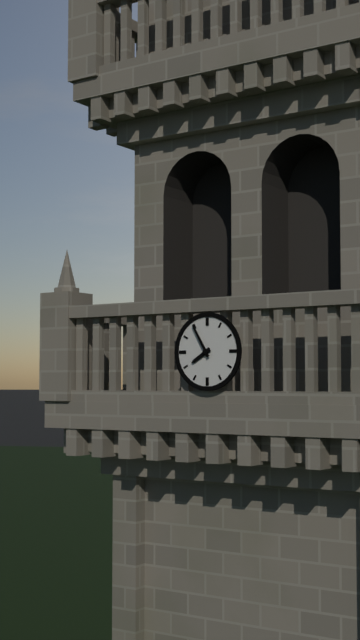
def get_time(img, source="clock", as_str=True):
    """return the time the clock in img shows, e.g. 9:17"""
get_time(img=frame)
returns 7:55
